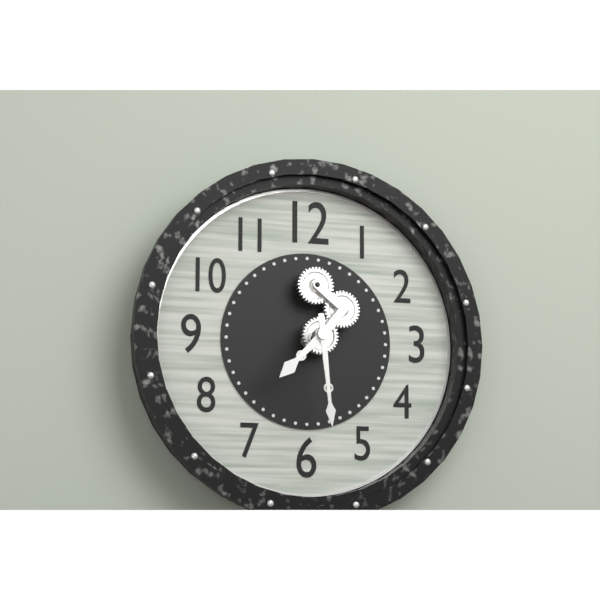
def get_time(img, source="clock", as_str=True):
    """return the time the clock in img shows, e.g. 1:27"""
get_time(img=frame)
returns 7:29
